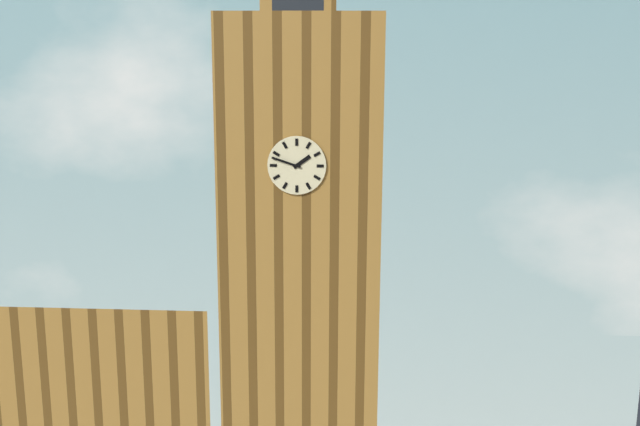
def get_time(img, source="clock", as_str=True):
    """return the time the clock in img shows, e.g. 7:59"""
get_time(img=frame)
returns 1:48
